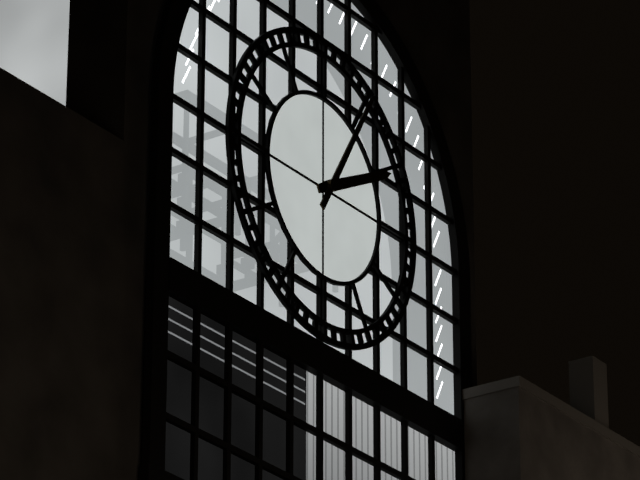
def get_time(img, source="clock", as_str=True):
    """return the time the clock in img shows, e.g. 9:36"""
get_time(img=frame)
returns 2:05
